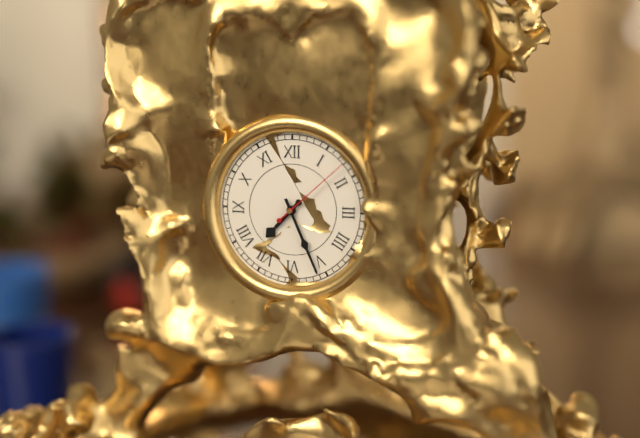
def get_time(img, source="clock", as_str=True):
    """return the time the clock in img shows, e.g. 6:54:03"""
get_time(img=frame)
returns 7:26:08
